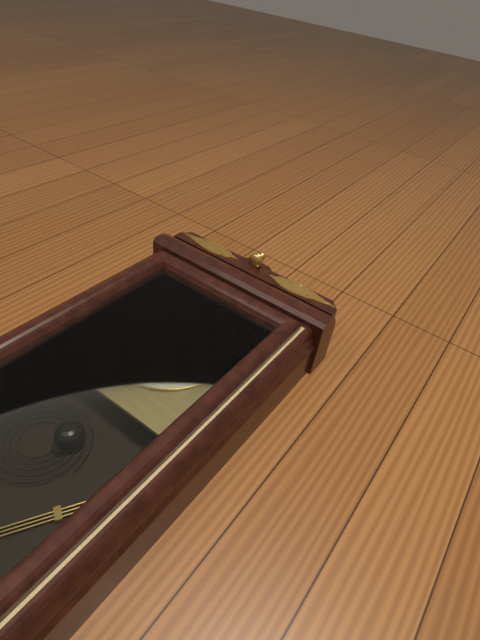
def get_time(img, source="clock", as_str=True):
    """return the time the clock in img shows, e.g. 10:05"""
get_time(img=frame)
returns 2:42
